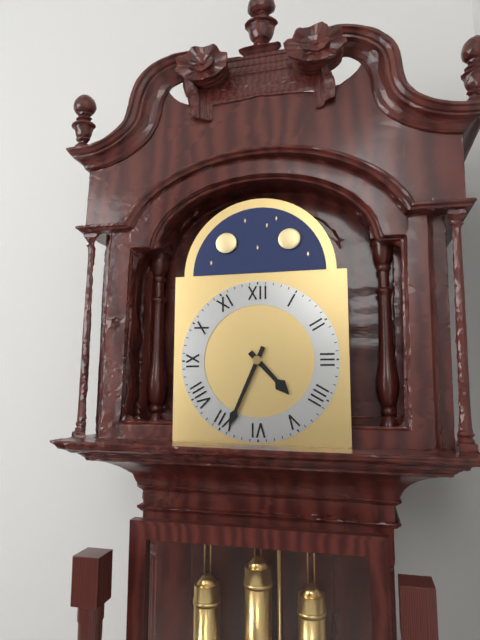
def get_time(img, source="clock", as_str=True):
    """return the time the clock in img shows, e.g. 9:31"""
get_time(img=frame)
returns 4:34
